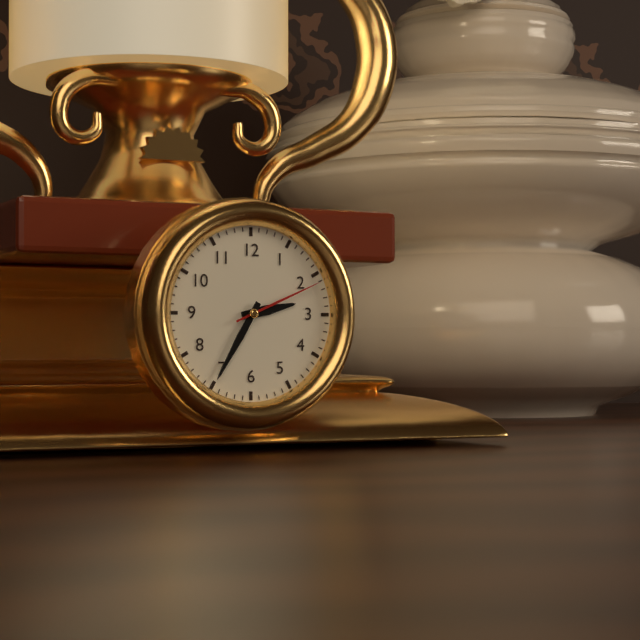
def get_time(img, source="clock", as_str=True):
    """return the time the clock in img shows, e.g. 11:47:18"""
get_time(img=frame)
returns 2:35:11
